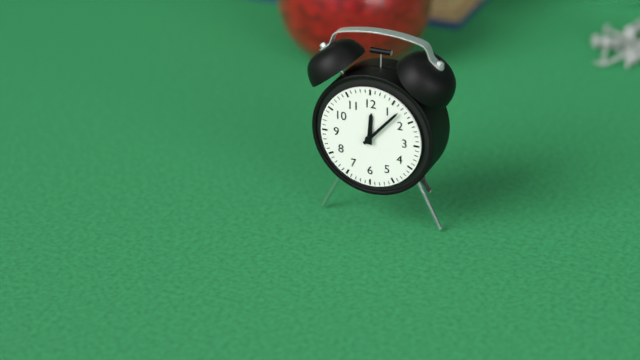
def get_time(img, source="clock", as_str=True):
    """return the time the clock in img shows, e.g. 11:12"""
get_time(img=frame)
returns 12:07
